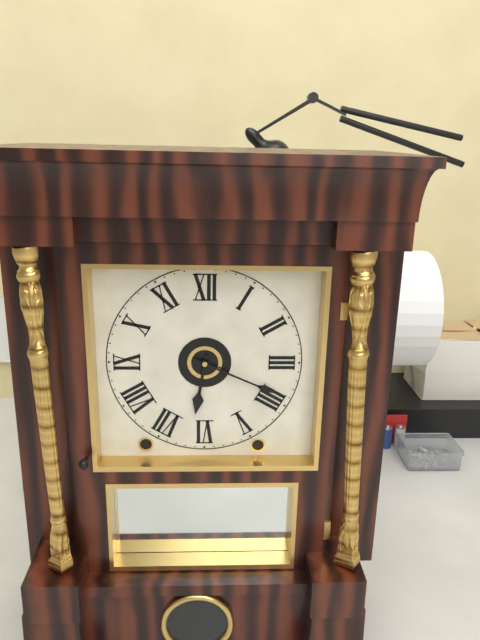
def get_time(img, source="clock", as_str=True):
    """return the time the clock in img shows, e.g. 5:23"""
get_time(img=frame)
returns 6:19
